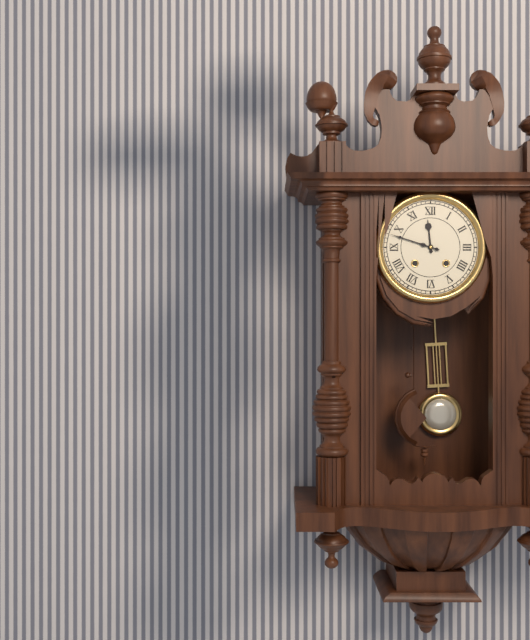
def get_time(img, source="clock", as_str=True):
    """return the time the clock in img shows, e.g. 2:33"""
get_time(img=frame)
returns 11:48
